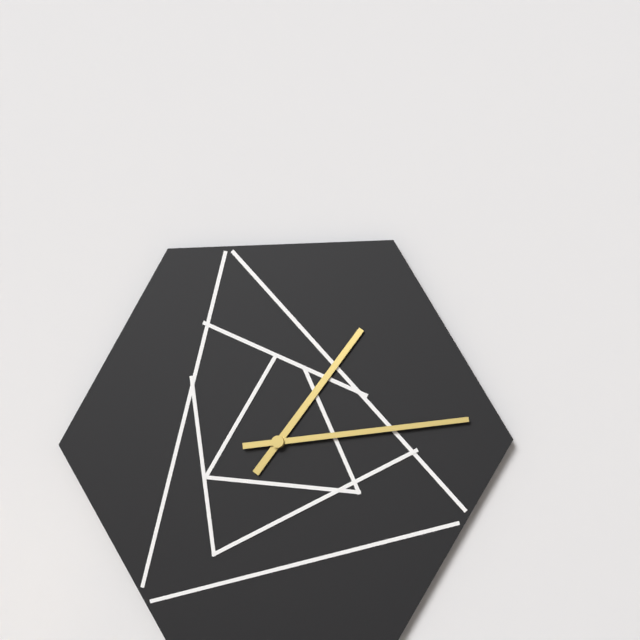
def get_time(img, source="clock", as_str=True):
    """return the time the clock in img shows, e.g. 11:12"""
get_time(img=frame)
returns 1:14
